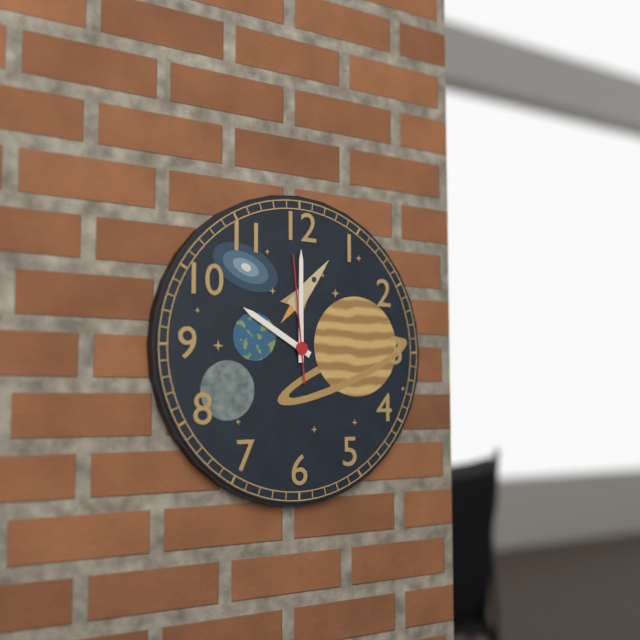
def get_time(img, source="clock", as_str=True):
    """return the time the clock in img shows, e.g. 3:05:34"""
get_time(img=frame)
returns 10:00:59
